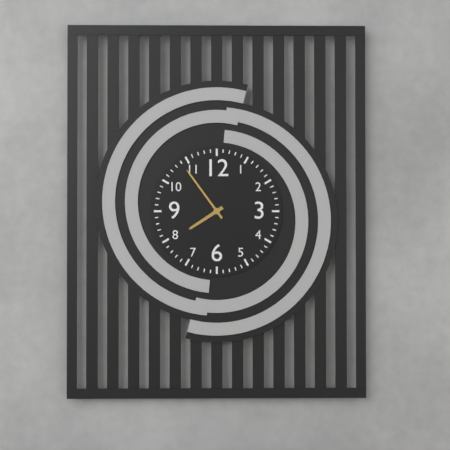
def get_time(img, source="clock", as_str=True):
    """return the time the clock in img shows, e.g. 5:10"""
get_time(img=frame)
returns 7:54
